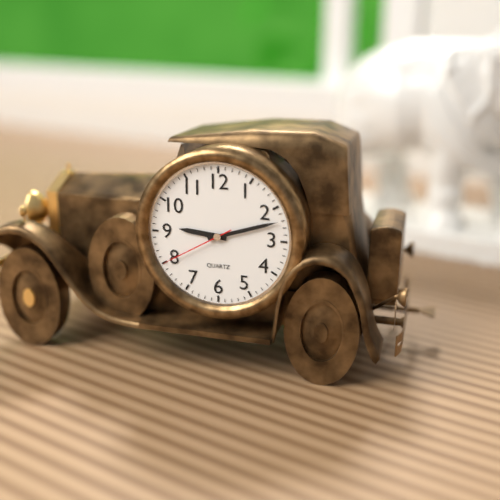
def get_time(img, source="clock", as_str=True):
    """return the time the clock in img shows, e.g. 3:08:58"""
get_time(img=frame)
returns 9:12:40
